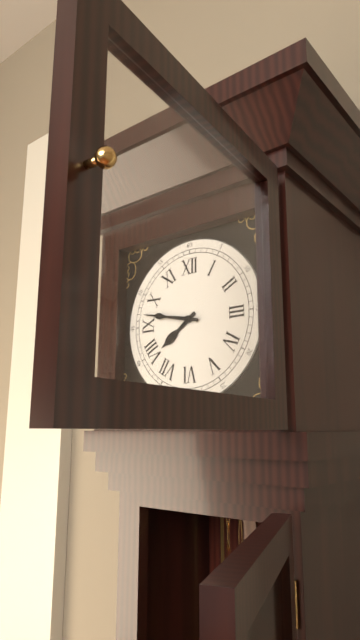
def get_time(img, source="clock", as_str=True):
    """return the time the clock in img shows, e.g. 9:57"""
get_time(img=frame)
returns 7:47
